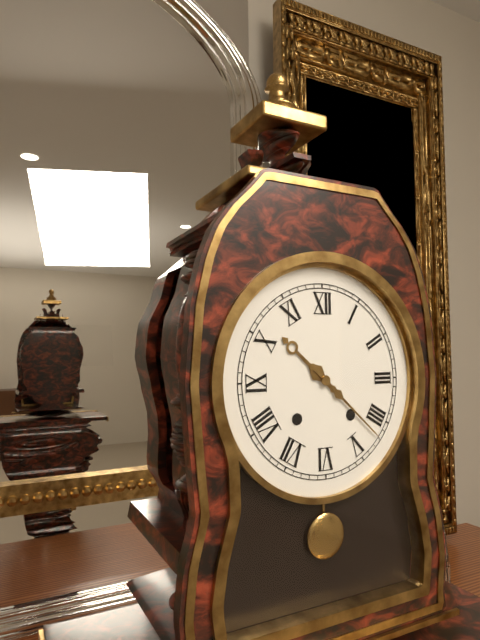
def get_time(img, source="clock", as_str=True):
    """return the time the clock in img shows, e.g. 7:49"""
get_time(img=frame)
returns 10:22
